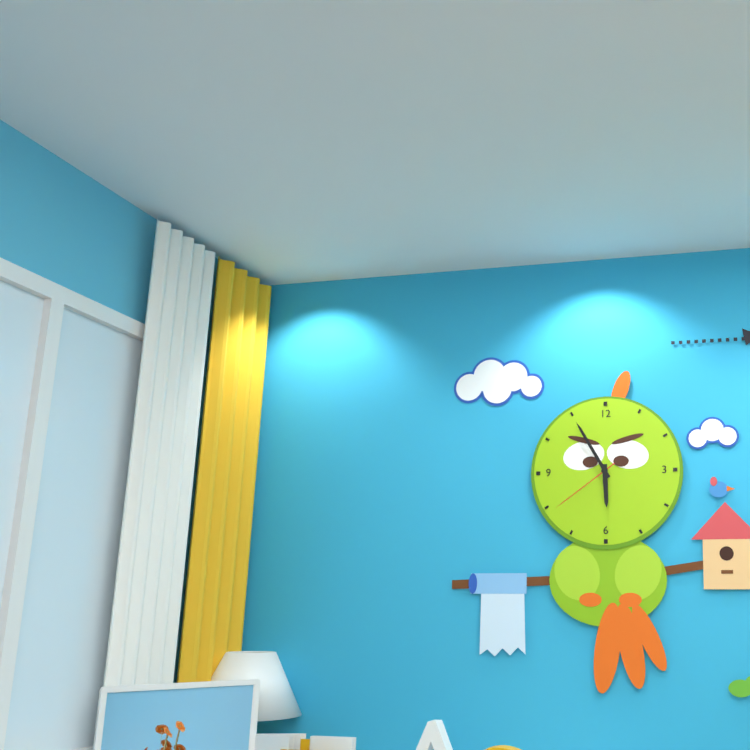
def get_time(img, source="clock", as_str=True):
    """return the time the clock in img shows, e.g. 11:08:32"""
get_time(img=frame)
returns 5:55:39
